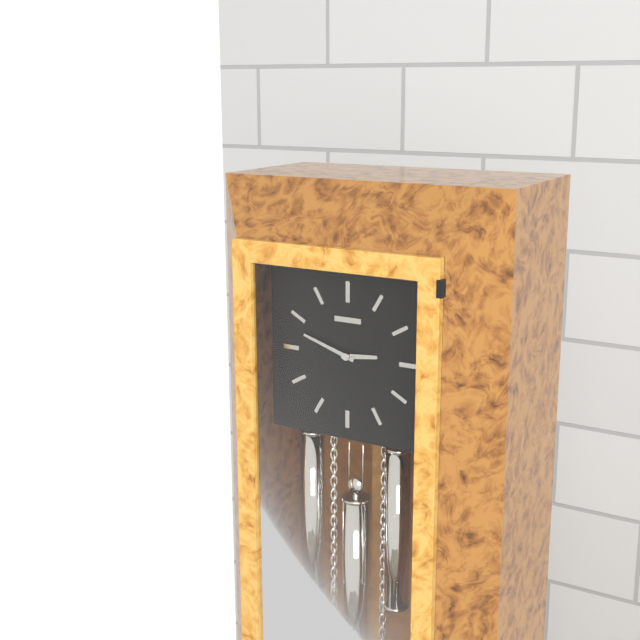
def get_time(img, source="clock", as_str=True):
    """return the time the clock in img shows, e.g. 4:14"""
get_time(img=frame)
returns 2:48
